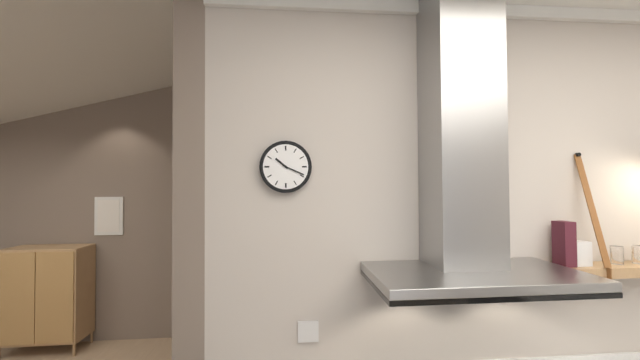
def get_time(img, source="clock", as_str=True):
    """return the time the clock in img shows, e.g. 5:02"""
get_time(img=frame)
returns 10:19
